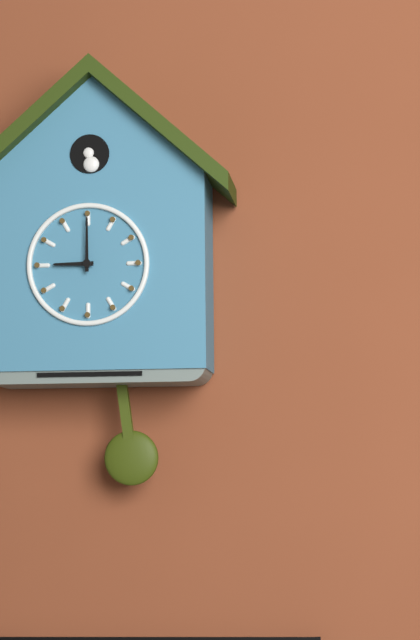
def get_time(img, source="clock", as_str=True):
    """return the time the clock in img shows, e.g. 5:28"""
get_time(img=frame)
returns 9:00
